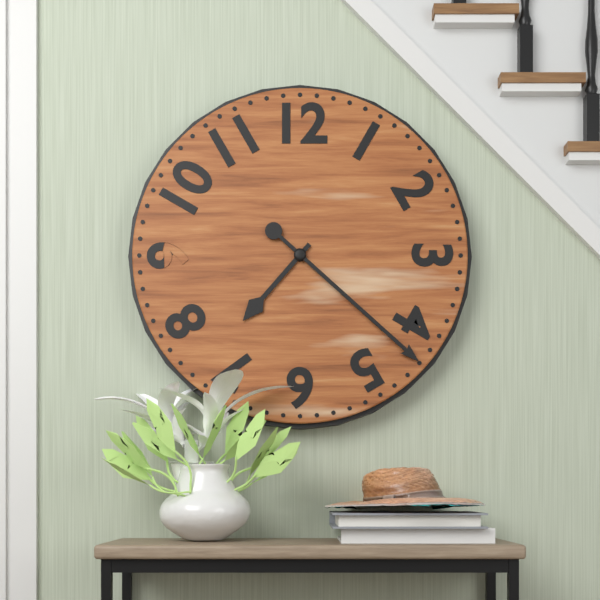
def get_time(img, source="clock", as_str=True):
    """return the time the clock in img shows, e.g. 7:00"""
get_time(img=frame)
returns 7:22
